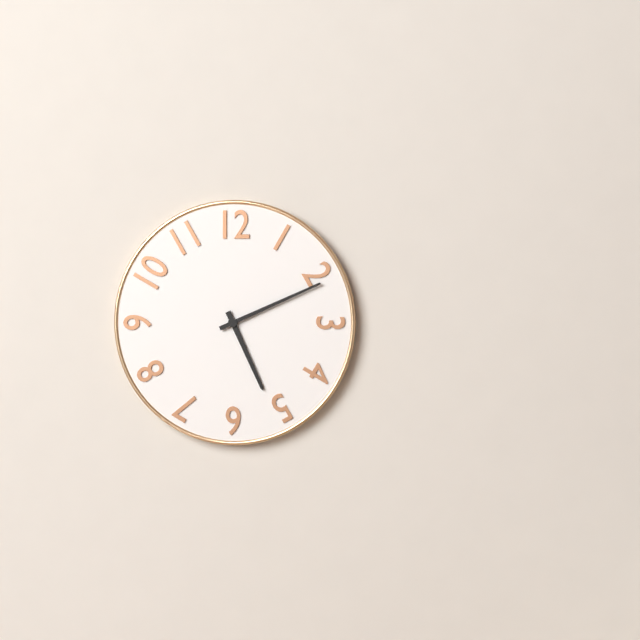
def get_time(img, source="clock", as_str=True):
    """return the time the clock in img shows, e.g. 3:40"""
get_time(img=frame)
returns 5:11
